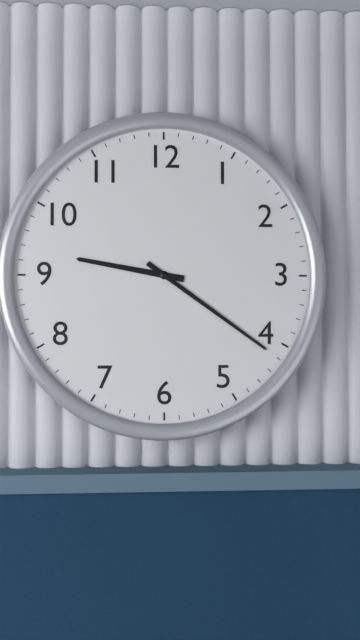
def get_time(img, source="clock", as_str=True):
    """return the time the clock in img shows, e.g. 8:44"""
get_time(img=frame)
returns 9:21
